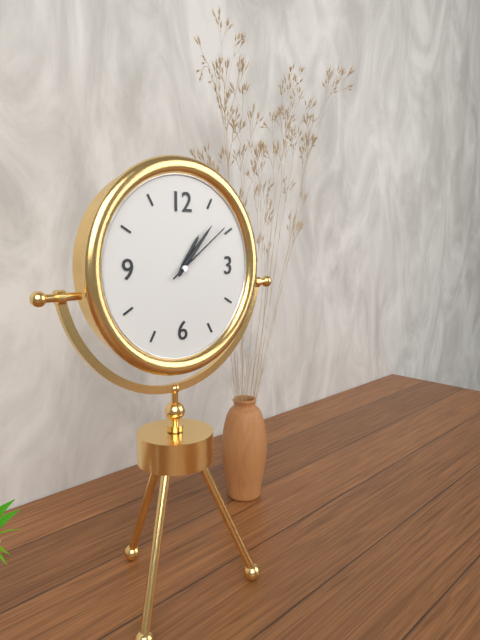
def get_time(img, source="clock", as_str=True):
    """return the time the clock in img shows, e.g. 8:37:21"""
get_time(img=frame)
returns 1:07:09
